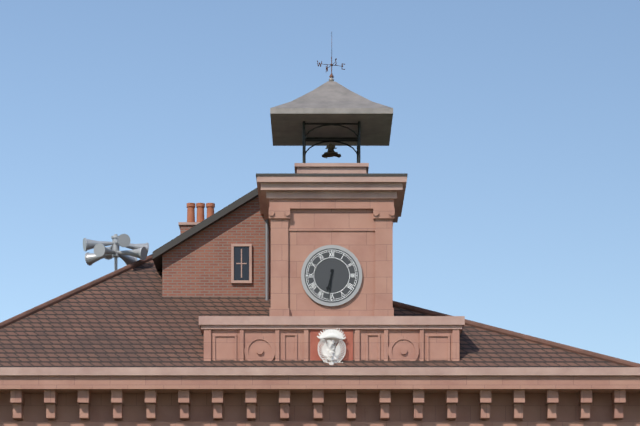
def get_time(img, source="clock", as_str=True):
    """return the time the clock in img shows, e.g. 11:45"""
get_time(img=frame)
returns 6:31
